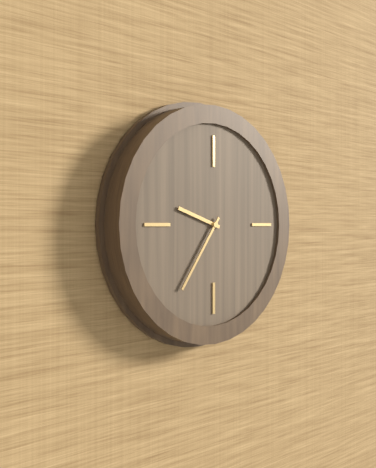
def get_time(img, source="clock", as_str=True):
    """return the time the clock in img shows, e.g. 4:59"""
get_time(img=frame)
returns 9:36
